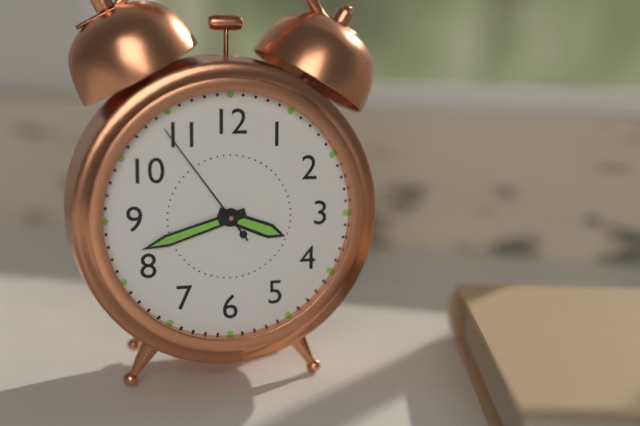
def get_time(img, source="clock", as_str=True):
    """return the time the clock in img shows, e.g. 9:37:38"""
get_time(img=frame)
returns 3:42:54
